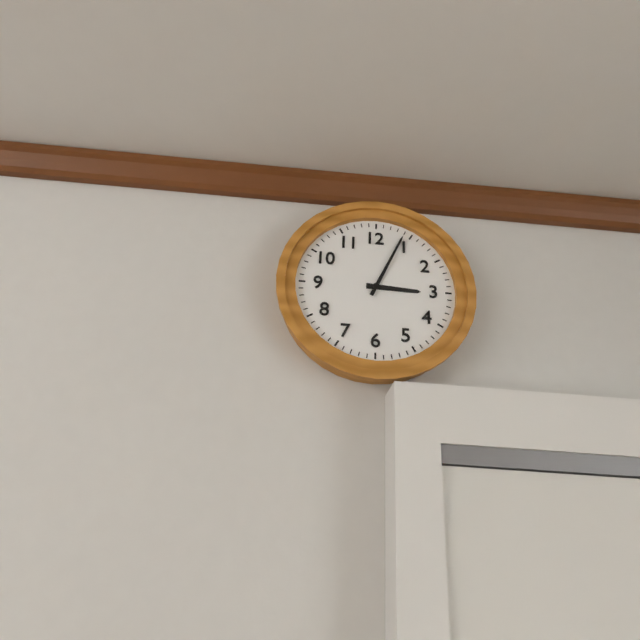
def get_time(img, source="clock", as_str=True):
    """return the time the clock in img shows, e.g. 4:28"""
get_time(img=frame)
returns 3:04
